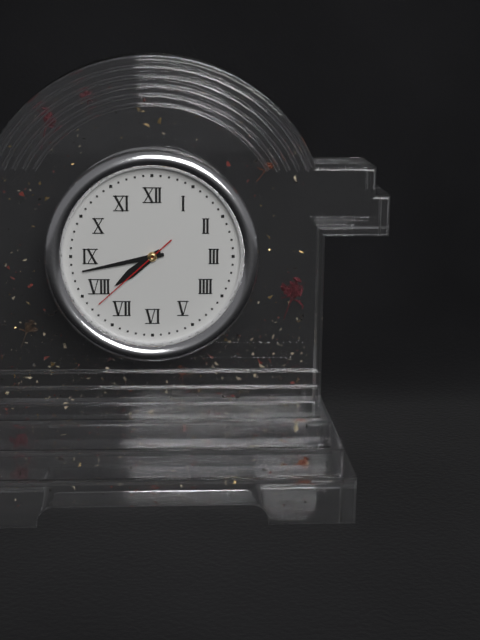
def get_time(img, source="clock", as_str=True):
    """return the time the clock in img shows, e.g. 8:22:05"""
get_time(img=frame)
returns 7:43:38
